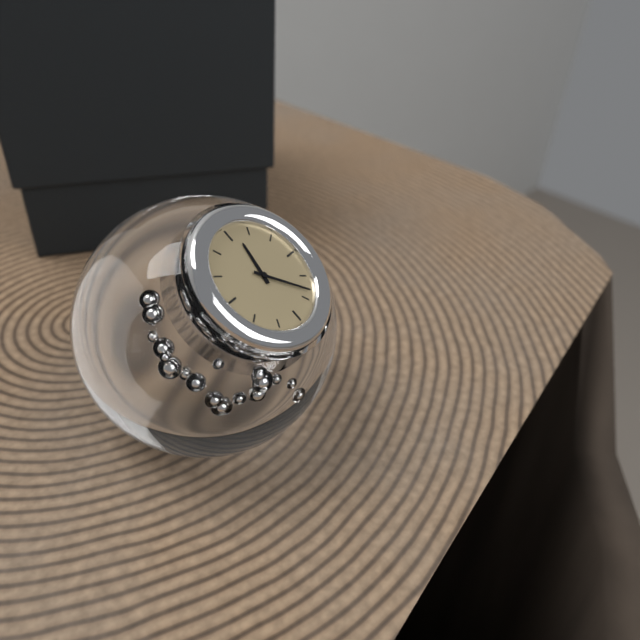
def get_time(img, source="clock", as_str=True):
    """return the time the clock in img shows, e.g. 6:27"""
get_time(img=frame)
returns 12:23
